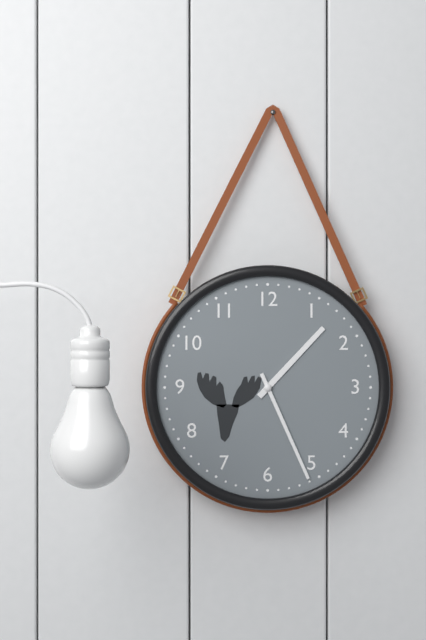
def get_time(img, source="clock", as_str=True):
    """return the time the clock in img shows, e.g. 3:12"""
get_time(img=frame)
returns 1:26
